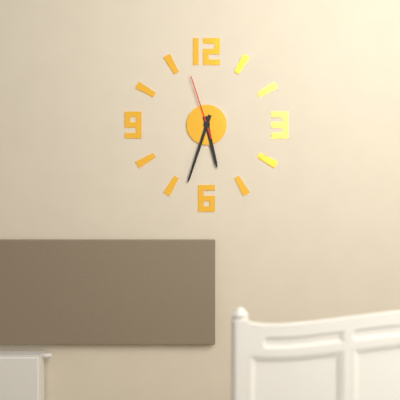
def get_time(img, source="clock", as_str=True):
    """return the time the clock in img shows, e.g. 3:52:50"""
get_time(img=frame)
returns 5:33:57
